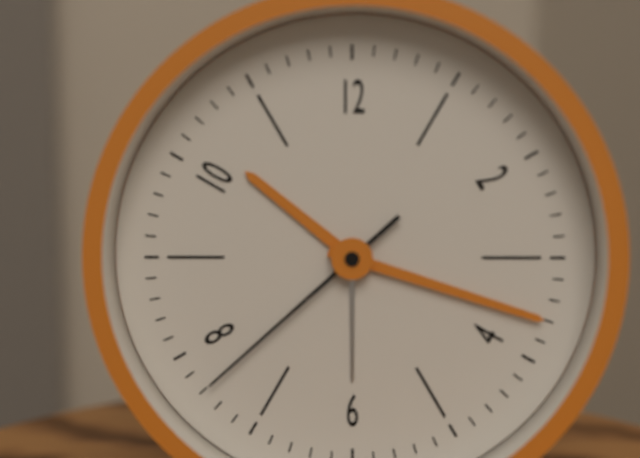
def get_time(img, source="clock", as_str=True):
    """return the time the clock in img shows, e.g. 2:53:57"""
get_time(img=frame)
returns 10:18:38
